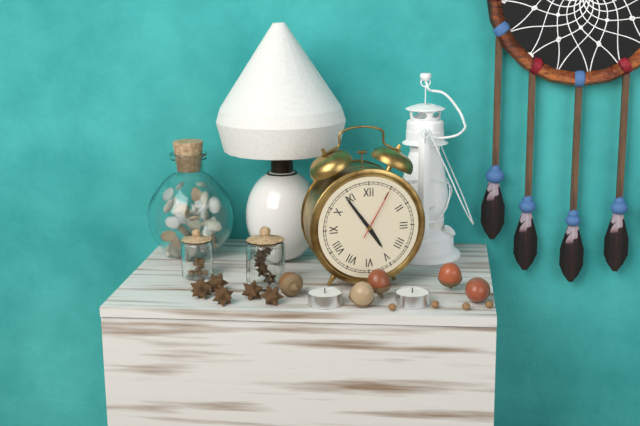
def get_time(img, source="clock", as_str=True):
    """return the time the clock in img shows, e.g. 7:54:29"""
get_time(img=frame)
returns 4:54:05
